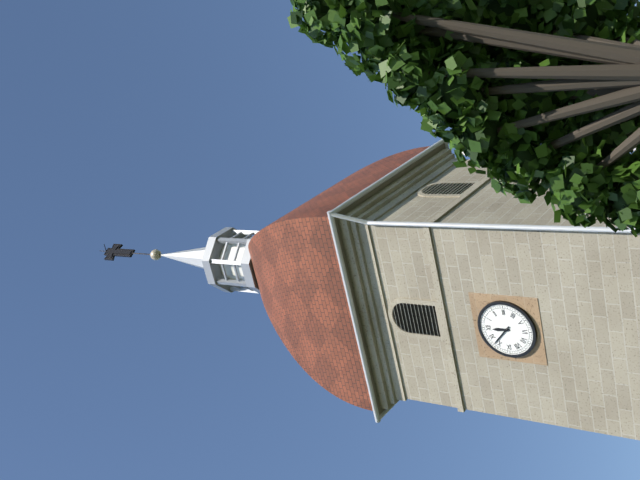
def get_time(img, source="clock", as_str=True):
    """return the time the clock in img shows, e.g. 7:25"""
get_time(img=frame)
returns 11:52
